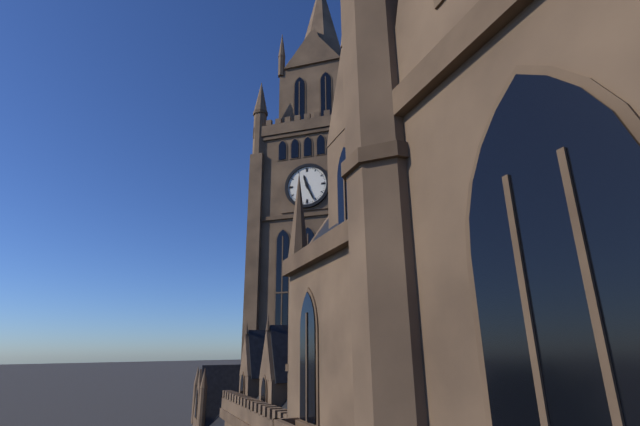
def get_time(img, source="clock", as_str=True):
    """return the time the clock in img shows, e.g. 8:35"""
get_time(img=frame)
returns 11:26
